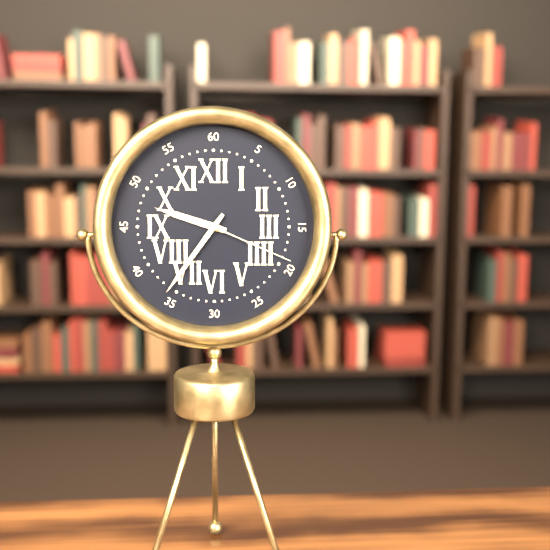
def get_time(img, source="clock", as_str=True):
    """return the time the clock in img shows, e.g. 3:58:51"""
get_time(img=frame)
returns 9:36:19
